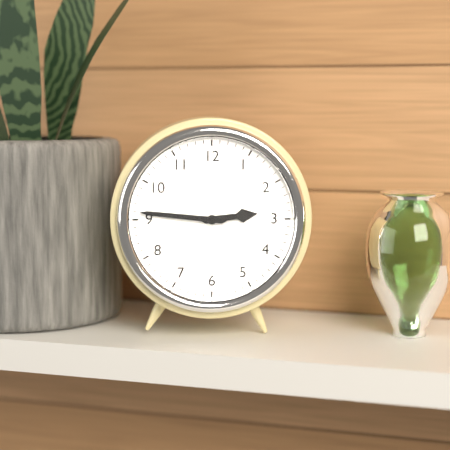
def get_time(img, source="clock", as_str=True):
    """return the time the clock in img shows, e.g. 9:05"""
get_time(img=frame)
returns 2:46
